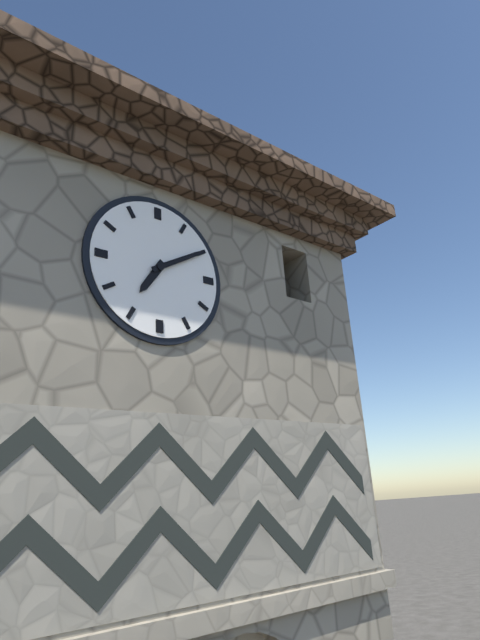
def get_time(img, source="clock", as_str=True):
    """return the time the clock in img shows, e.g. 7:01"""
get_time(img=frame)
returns 7:10
